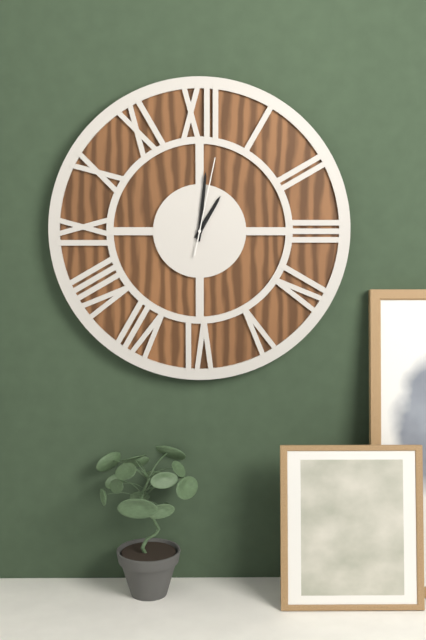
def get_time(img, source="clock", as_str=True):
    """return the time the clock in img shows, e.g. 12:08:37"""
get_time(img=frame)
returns 1:01:02
